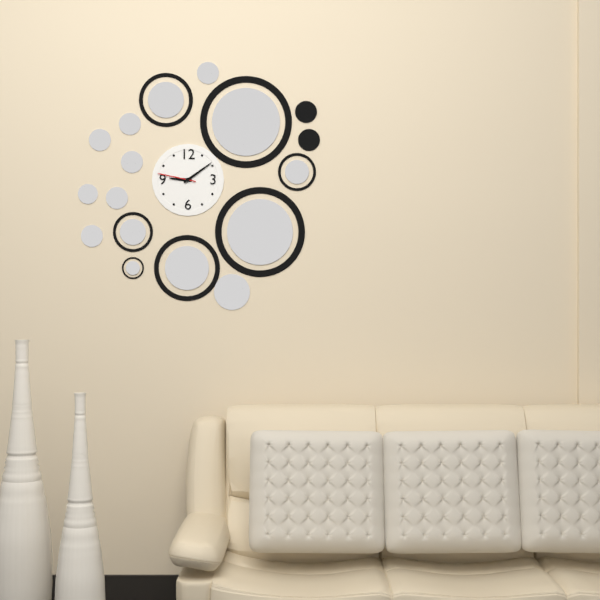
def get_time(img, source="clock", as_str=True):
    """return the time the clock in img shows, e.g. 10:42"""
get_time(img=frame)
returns 9:09
